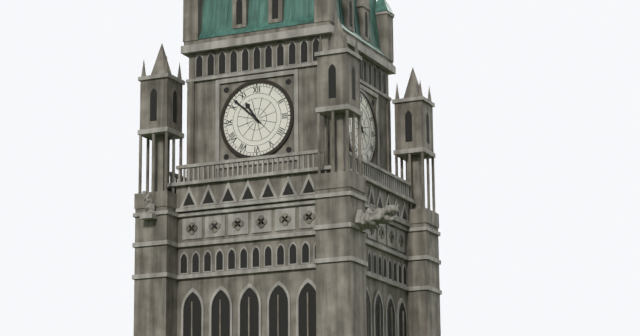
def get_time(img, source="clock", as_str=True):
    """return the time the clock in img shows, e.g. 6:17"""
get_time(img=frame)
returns 10:52
